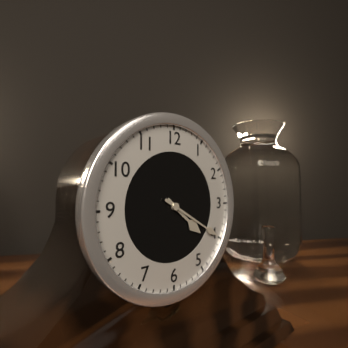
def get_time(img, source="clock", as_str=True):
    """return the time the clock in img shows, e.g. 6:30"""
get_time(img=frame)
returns 4:20
